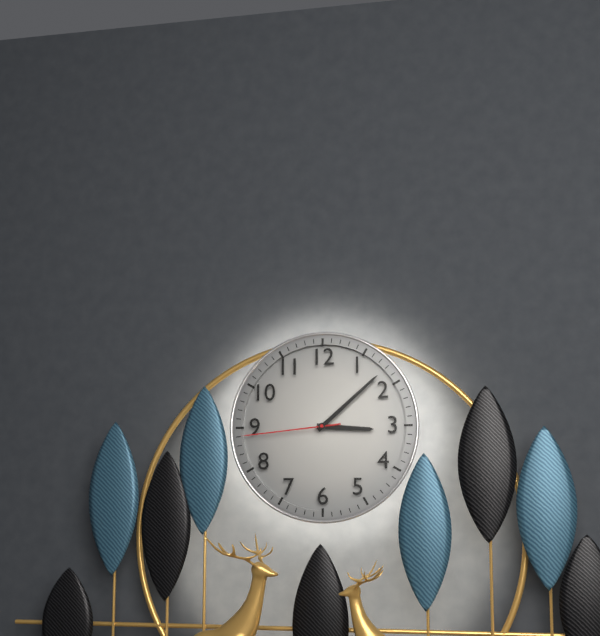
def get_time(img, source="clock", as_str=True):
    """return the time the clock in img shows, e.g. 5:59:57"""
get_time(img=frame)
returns 3:08:44
